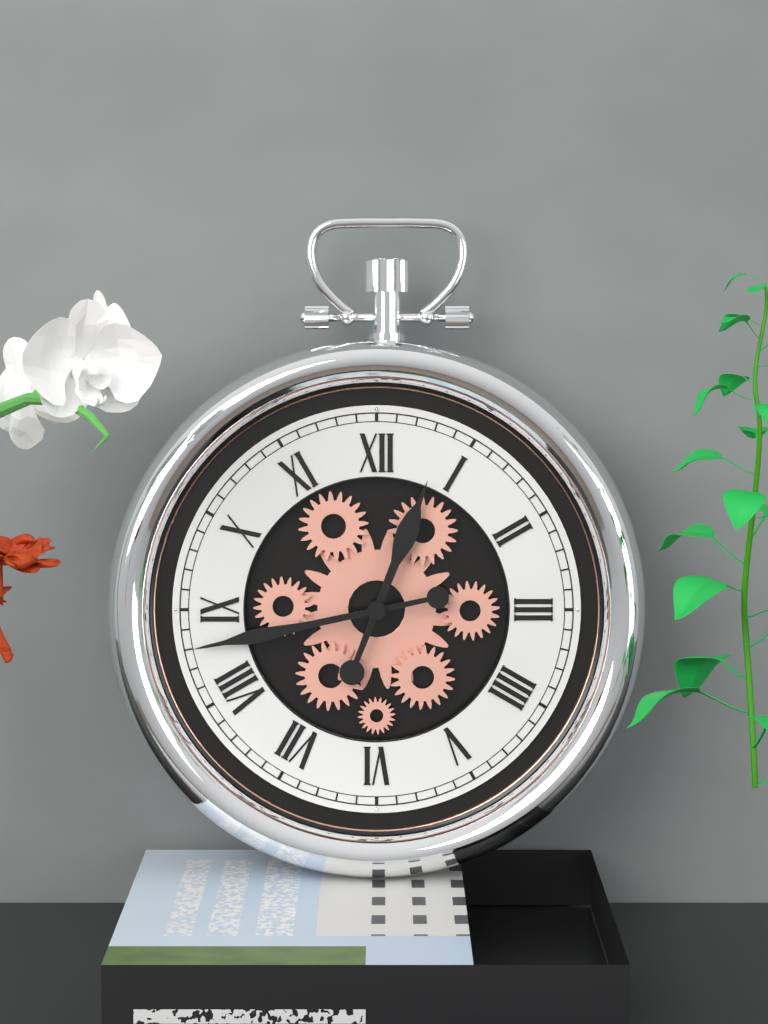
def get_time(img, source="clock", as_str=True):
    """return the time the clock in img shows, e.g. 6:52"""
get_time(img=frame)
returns 12:43
